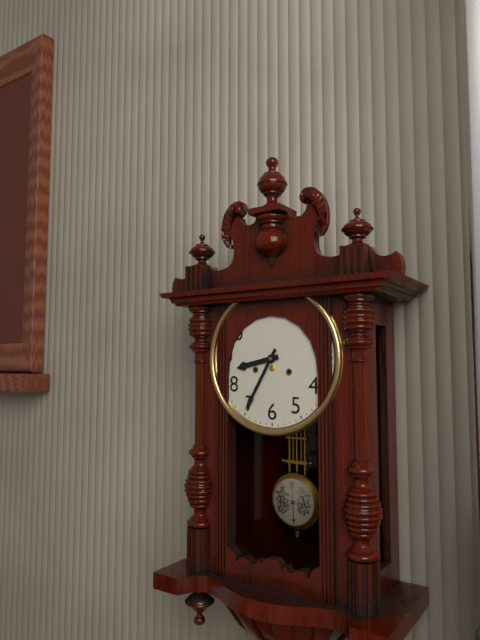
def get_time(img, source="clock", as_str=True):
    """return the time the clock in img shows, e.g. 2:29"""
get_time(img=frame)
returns 8:35
